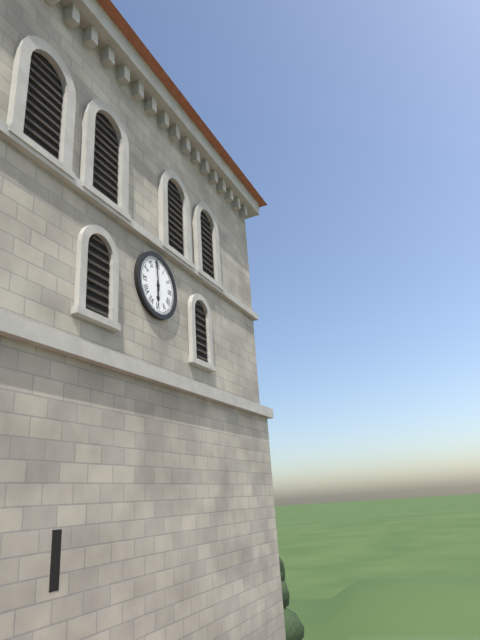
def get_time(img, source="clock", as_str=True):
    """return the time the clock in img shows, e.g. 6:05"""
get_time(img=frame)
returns 5:59
